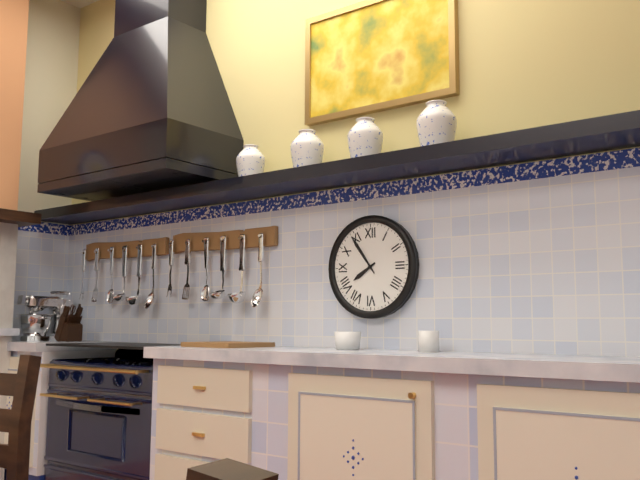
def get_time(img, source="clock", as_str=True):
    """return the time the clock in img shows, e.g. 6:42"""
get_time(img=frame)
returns 7:54
